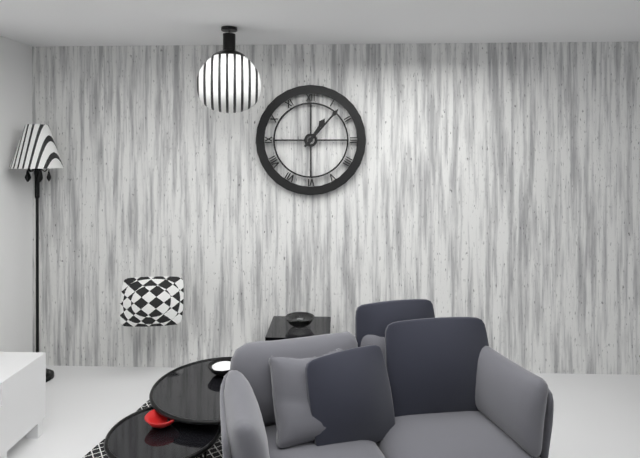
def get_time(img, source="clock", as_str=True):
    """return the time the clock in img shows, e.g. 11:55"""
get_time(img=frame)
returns 1:07
